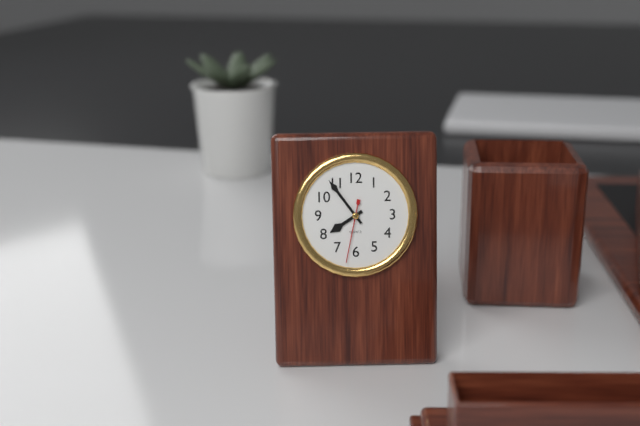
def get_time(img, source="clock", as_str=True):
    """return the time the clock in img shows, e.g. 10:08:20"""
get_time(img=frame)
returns 7:54:32
